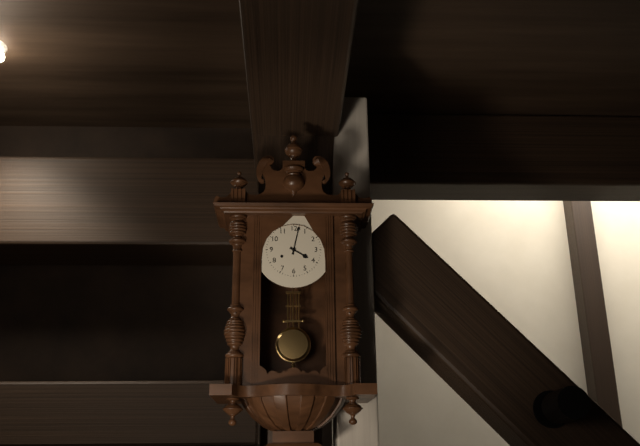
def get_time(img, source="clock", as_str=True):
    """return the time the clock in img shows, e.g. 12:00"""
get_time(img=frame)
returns 4:02
